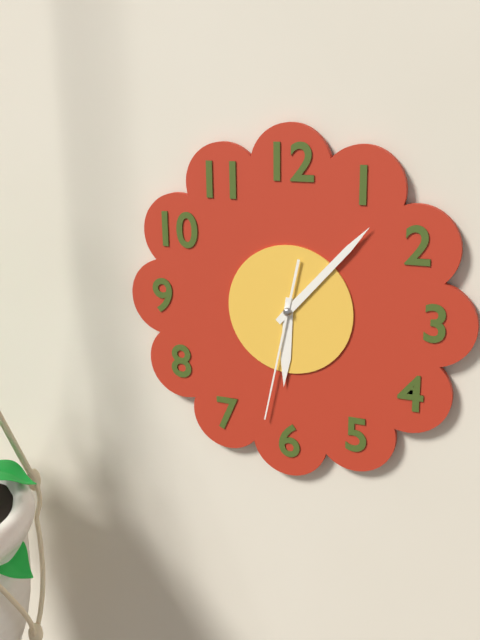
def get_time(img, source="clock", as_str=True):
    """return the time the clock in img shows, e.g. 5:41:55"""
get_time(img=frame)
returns 6:07:32
